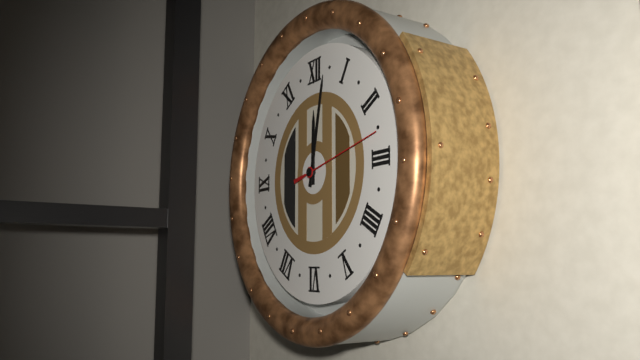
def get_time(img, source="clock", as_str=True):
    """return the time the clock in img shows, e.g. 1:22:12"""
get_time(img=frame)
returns 12:02:13
